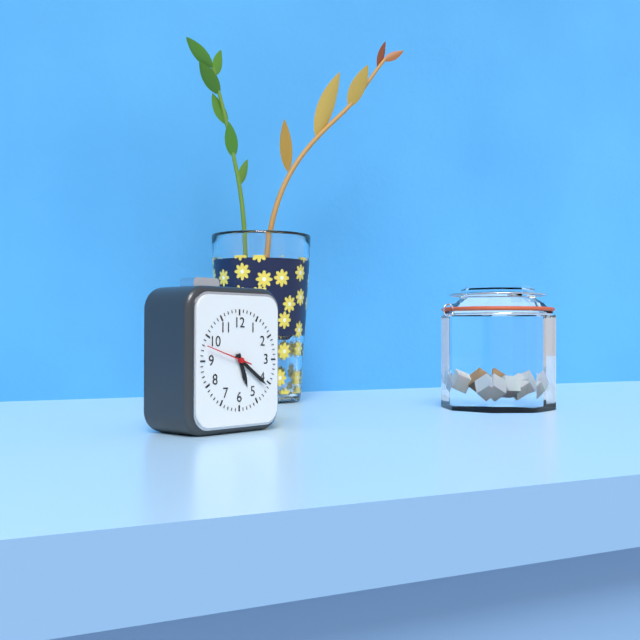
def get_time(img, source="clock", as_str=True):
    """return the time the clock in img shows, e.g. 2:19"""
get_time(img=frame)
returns 5:21
